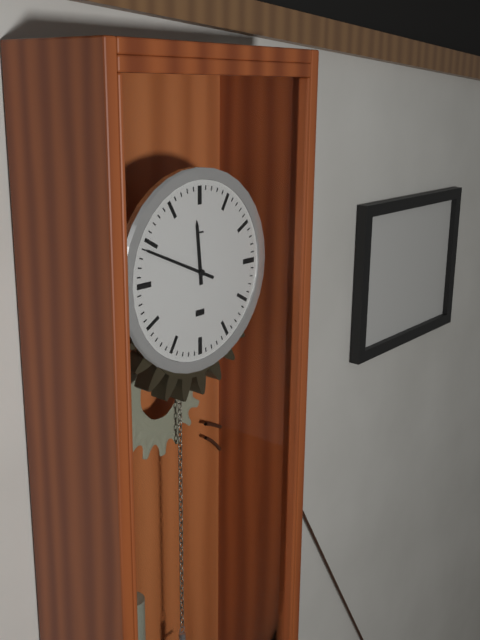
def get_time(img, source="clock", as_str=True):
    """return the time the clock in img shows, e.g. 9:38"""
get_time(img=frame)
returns 11:49
